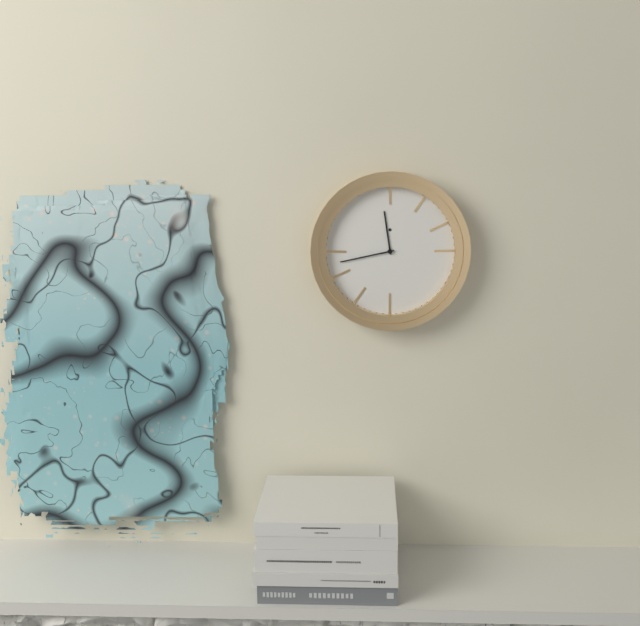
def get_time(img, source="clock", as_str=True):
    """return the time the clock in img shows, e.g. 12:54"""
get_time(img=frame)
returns 11:43
